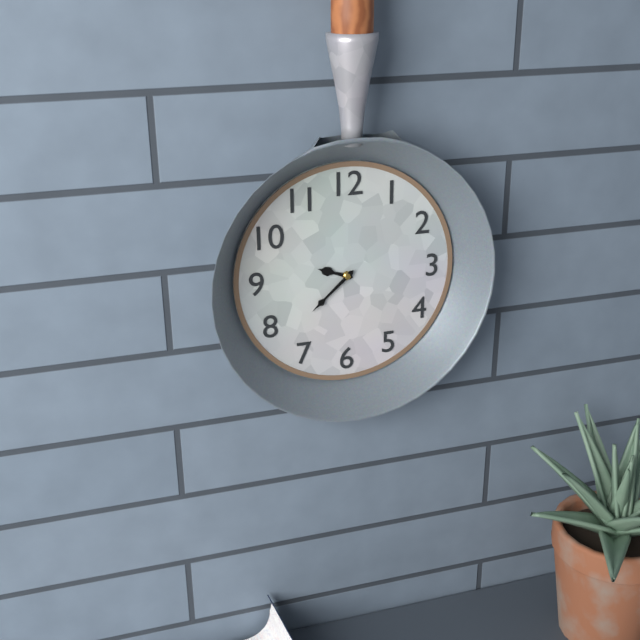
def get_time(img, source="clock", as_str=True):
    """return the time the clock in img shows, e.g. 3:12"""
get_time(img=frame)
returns 9:38
